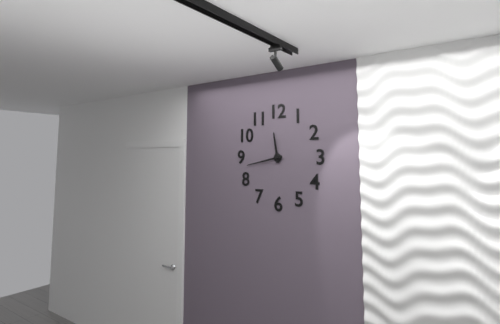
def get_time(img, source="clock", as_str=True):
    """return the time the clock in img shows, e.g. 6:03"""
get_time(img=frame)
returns 11:43
